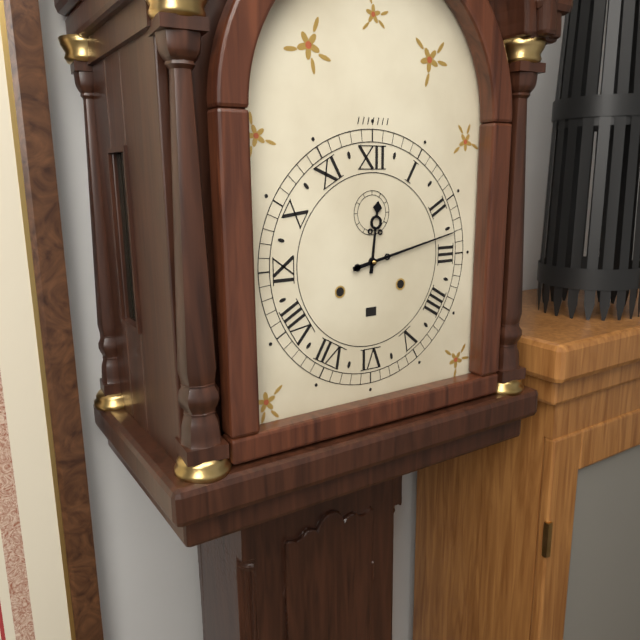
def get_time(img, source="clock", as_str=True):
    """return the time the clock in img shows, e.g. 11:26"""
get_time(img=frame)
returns 12:13
